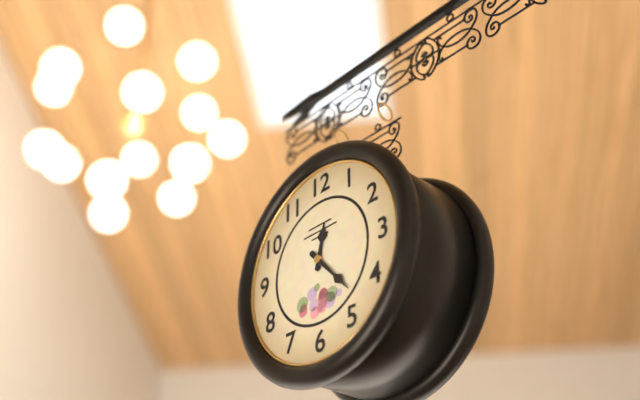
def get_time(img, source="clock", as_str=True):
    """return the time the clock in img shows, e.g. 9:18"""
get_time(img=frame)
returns 12:23
